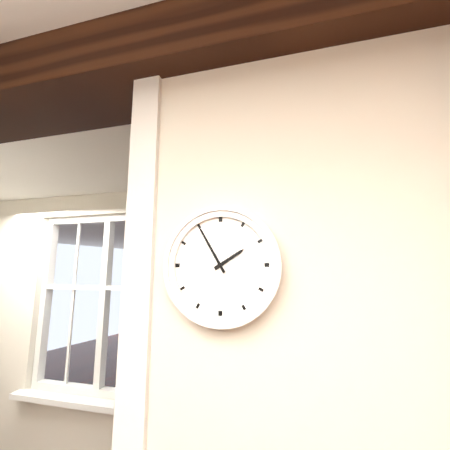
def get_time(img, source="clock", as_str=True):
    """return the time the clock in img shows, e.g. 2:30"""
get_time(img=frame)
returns 1:55
